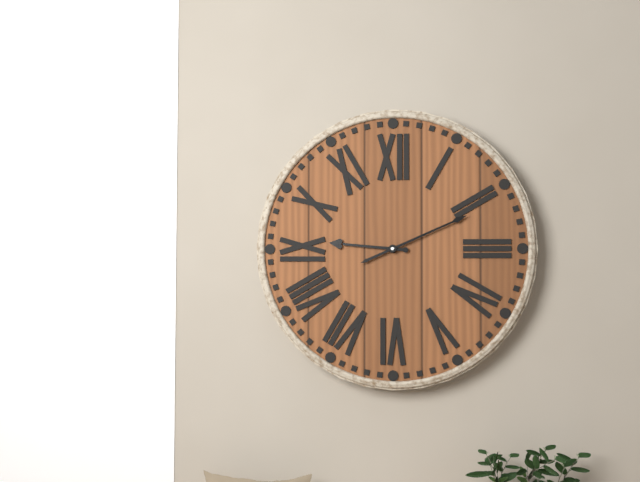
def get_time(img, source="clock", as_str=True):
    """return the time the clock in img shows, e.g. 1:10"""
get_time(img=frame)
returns 9:11
